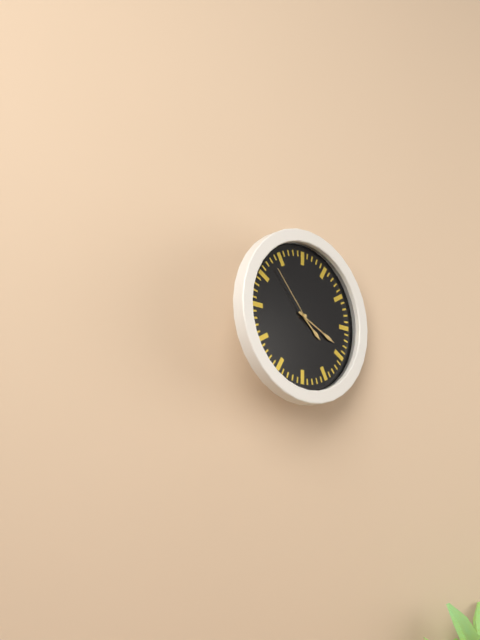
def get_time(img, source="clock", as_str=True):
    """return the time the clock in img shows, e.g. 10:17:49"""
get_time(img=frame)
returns 4:19:53
